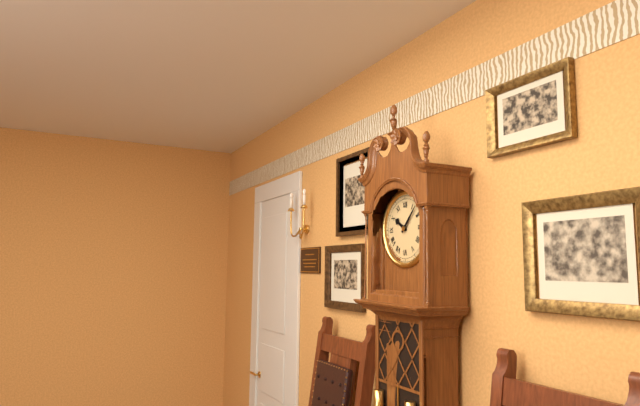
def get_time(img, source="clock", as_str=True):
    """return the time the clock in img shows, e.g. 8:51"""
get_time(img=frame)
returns 10:07
